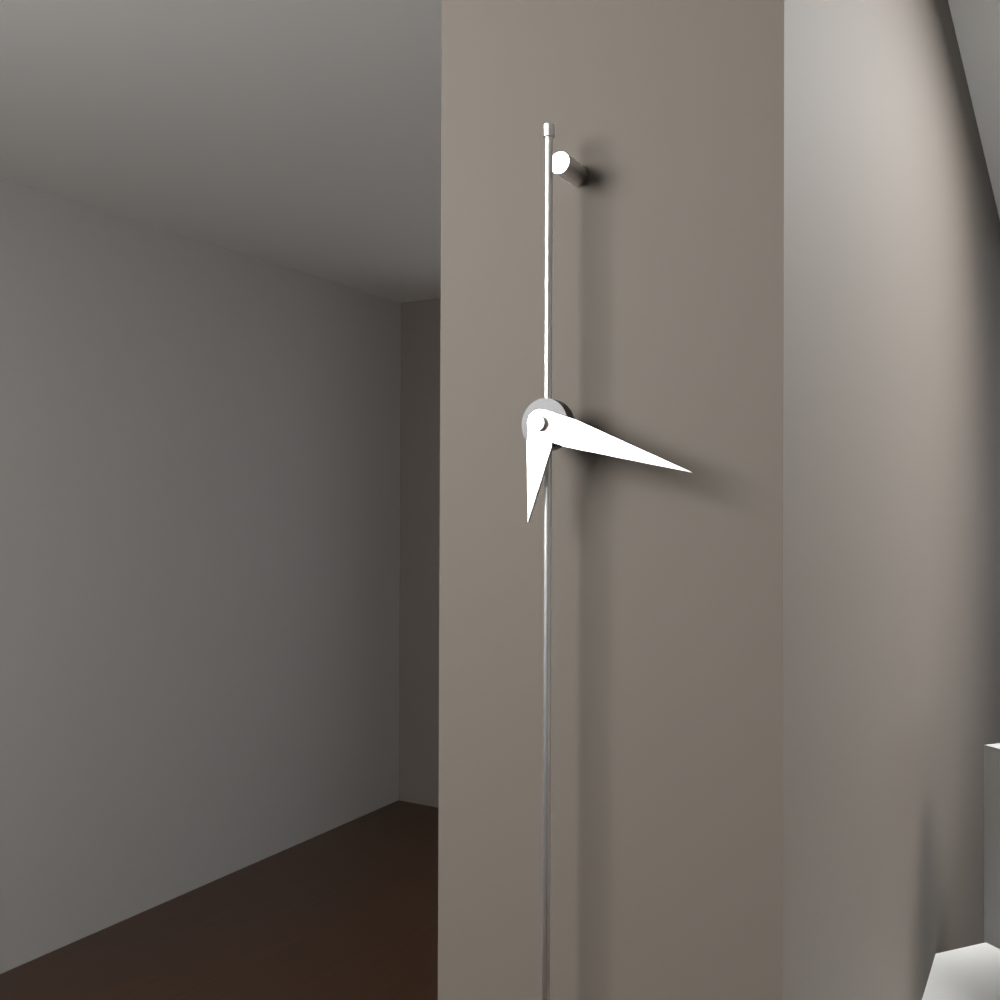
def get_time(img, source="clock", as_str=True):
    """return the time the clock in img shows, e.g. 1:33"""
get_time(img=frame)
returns 6:18
